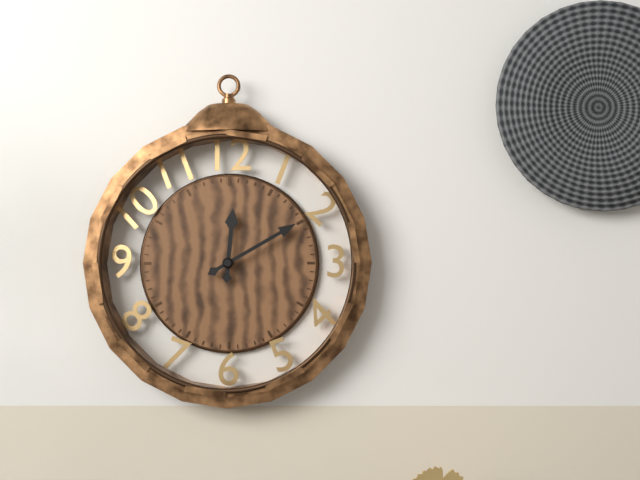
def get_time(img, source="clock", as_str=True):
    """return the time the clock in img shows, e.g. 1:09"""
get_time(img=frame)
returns 12:10
